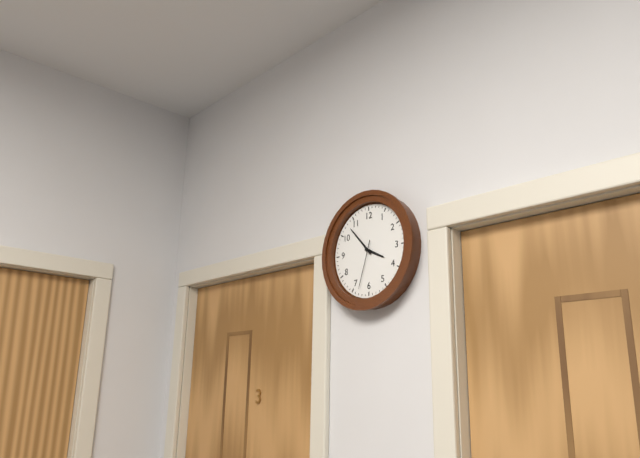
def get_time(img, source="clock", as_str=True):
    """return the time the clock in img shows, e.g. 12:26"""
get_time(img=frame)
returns 3:53
